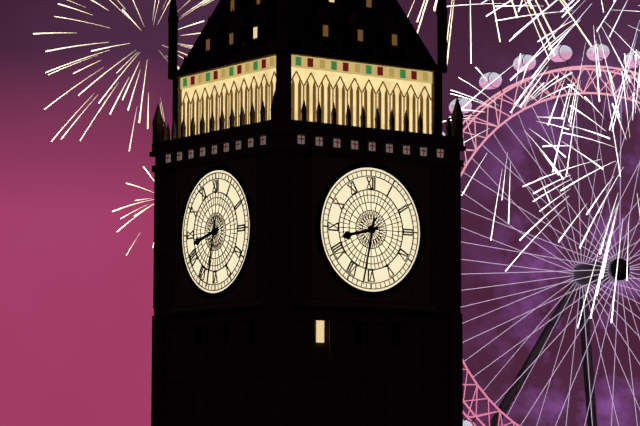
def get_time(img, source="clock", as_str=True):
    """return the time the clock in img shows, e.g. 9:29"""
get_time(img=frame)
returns 8:32
